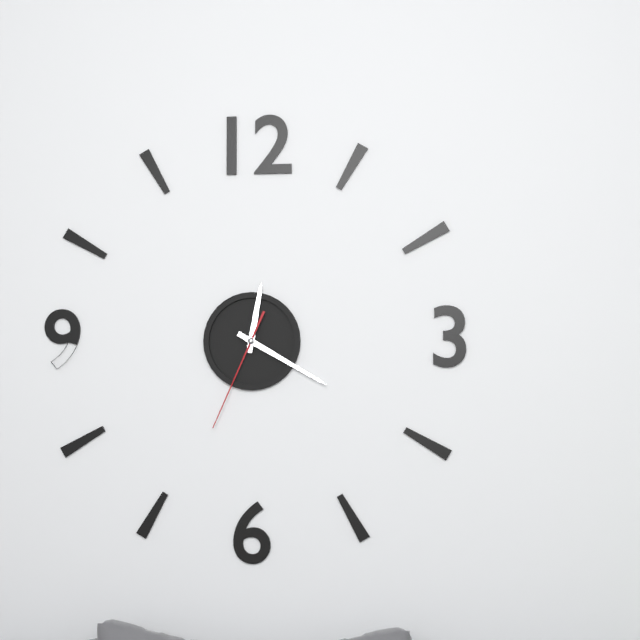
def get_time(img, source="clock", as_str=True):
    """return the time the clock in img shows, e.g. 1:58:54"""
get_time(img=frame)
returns 12:20:34
